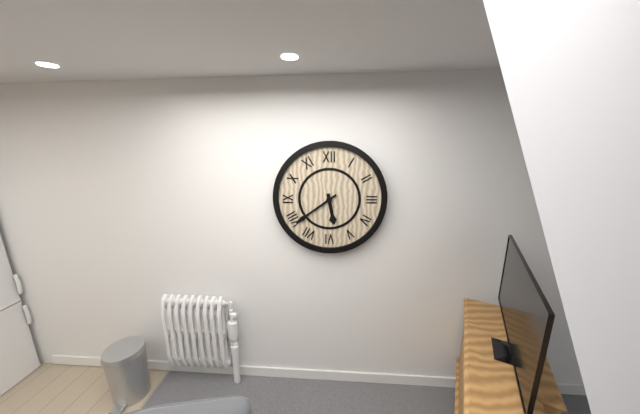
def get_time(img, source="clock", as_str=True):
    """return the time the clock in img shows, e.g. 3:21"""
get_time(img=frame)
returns 5:39
